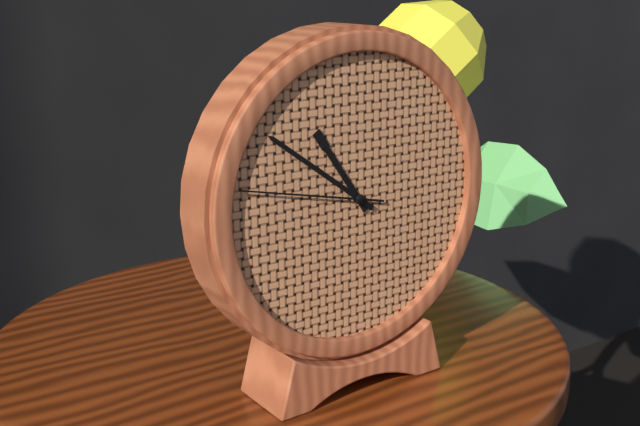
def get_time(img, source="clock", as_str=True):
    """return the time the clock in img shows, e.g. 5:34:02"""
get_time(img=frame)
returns 10:51:47
